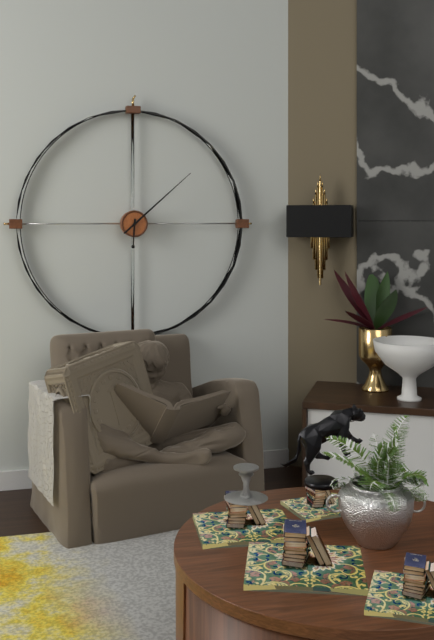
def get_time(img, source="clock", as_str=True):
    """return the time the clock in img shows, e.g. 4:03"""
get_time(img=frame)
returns 6:08
